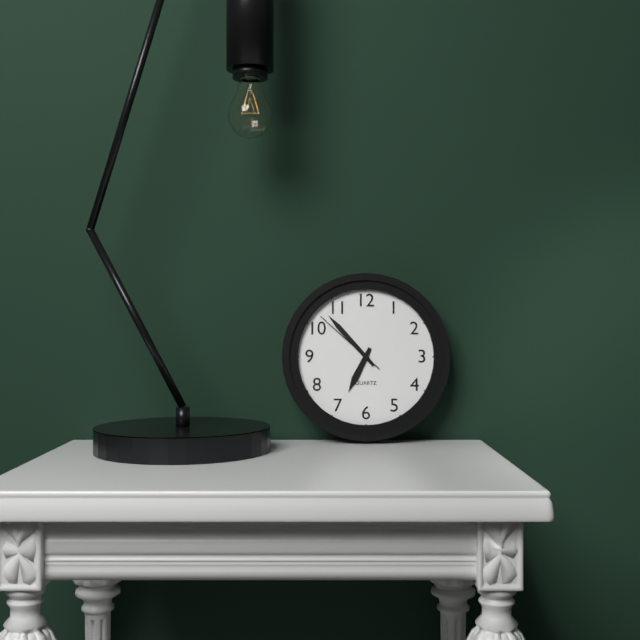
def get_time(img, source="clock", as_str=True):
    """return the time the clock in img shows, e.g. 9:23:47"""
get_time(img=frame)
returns 6:53:52
